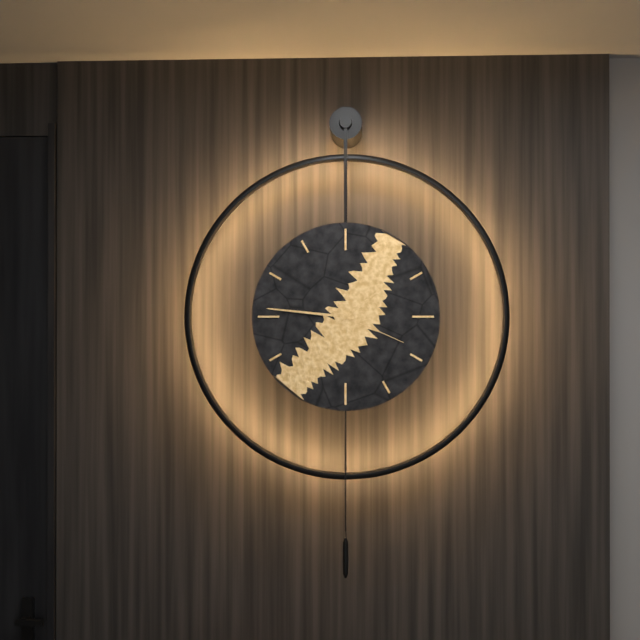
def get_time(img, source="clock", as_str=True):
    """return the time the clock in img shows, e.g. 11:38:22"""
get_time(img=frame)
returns 1:46:19
